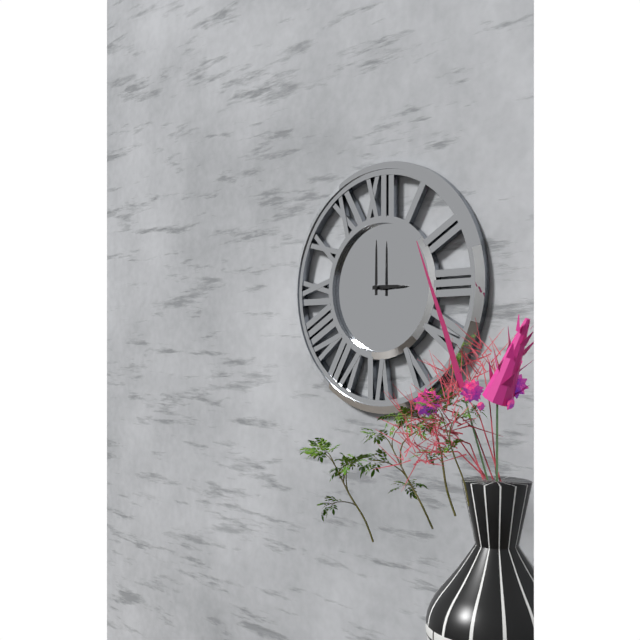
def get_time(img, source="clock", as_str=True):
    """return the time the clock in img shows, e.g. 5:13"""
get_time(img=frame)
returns 3:00
